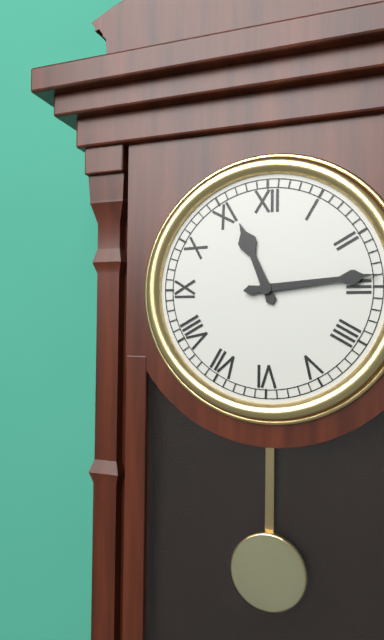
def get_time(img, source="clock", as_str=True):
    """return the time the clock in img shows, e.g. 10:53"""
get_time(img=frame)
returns 11:14
